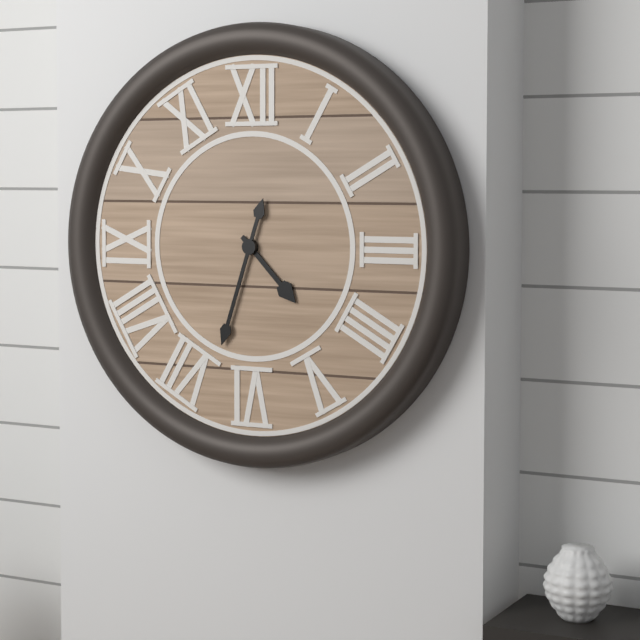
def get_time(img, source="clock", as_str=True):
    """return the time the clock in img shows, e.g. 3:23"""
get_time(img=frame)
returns 4:33
